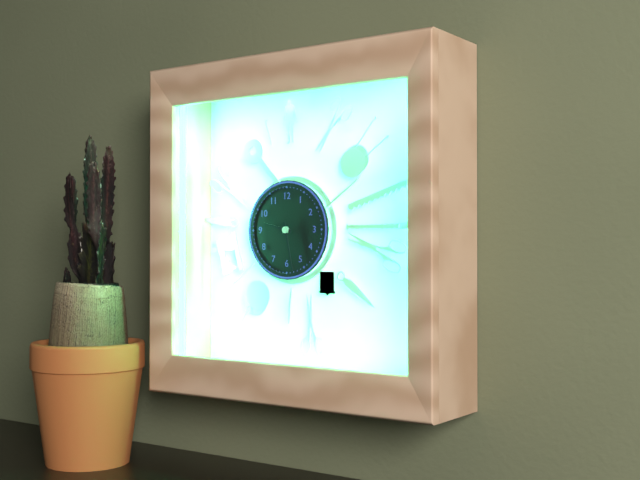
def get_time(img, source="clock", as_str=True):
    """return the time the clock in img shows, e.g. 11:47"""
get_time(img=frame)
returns 9:28
